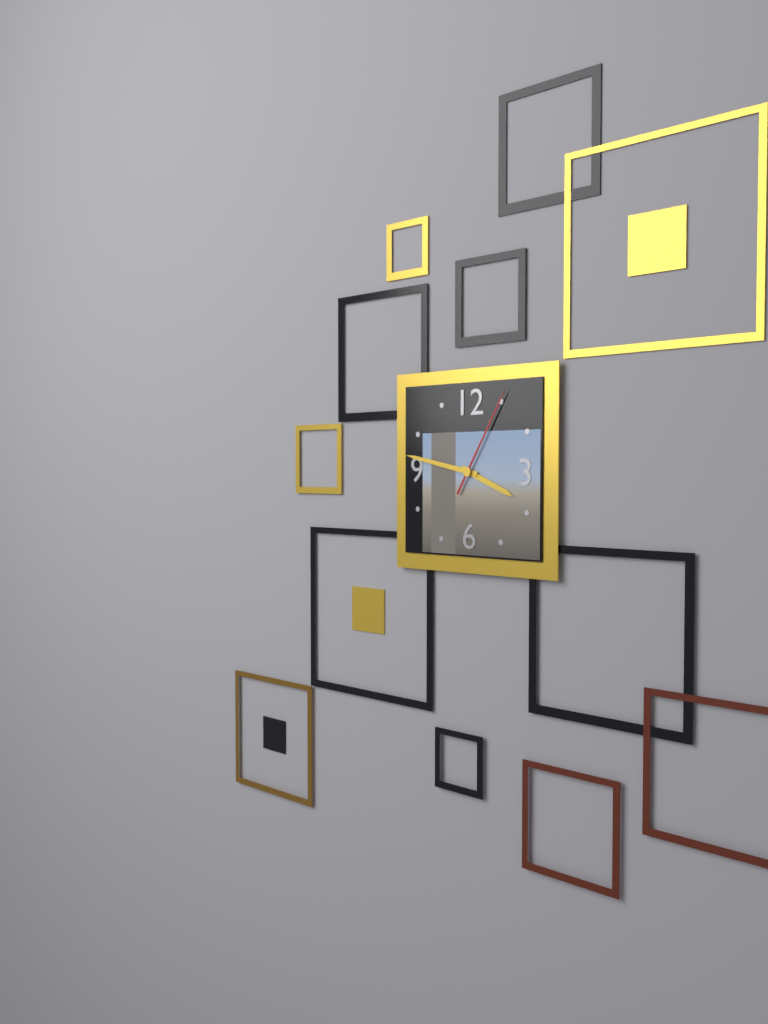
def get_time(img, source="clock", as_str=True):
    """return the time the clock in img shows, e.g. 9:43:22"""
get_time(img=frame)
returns 3:47:05
